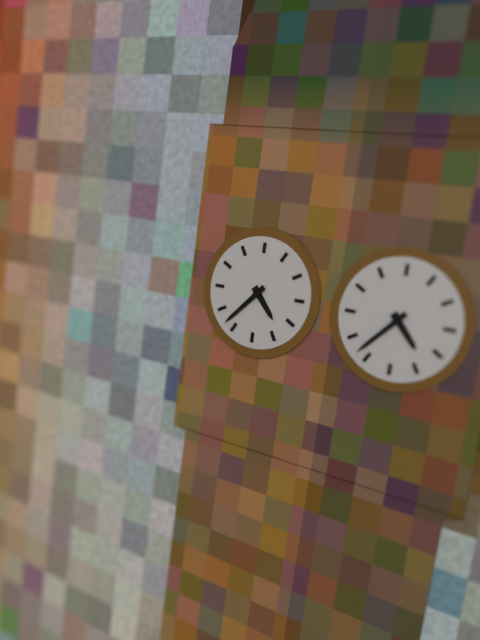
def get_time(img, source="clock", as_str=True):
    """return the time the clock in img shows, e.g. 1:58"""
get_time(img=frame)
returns 4:37
